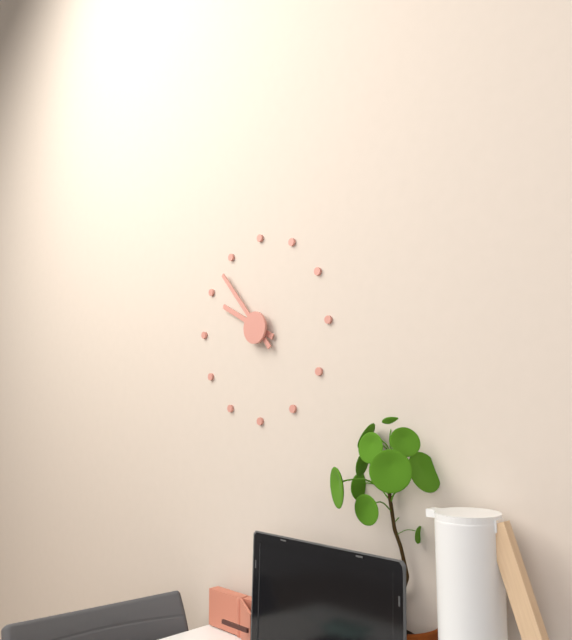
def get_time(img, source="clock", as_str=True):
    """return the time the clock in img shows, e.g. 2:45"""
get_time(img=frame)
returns 9:53
